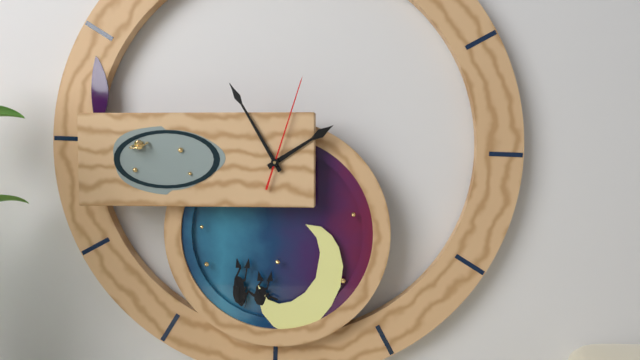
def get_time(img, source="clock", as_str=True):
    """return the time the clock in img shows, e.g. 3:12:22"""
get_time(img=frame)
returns 1:55:03
